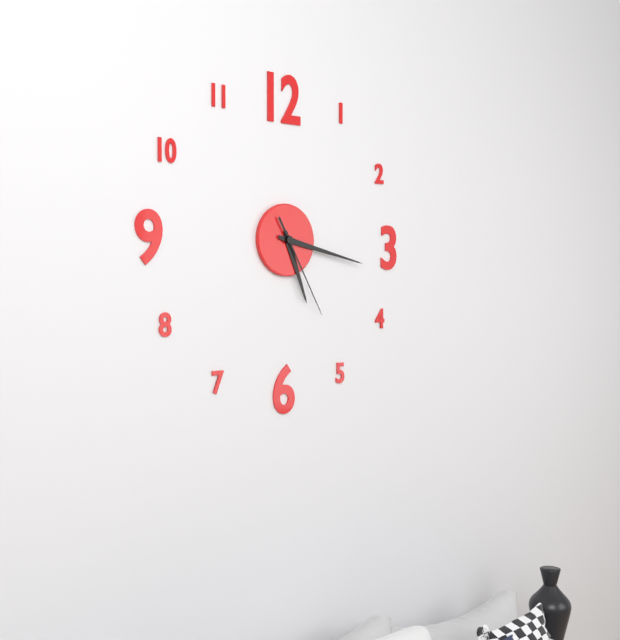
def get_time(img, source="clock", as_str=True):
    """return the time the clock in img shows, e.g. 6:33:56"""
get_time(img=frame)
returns 5:17:25
